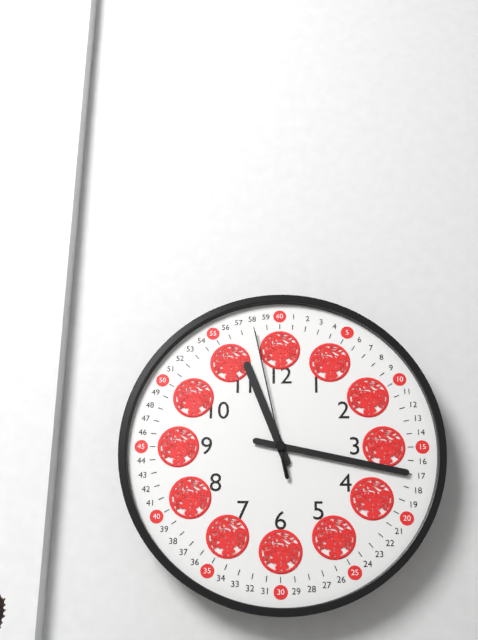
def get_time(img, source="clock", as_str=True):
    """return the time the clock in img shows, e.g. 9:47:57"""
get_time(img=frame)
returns 11:17:58
